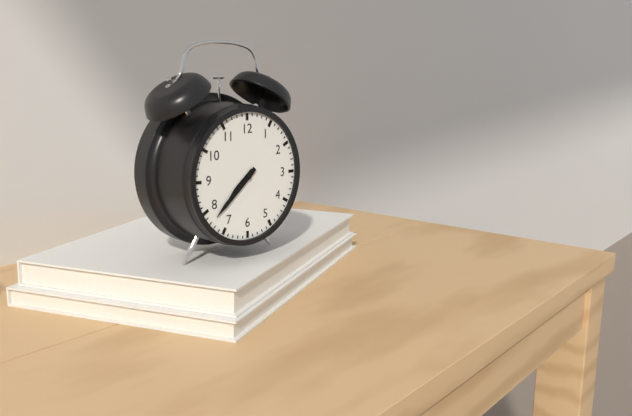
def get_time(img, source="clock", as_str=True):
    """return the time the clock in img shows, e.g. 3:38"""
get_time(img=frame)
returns 7:38
